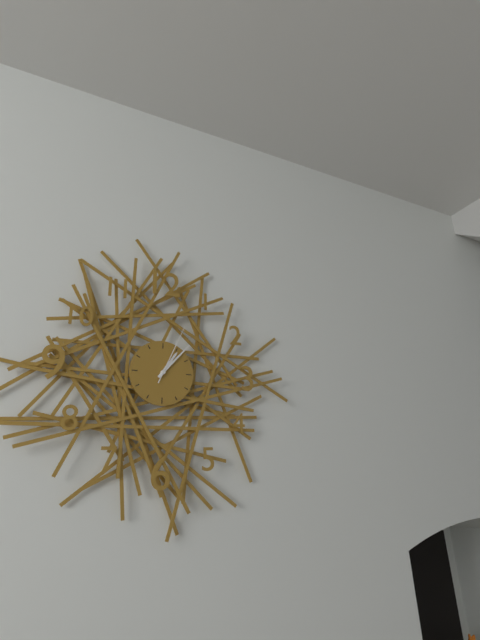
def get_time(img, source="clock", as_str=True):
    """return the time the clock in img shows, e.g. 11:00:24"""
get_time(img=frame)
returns 1:07:04
